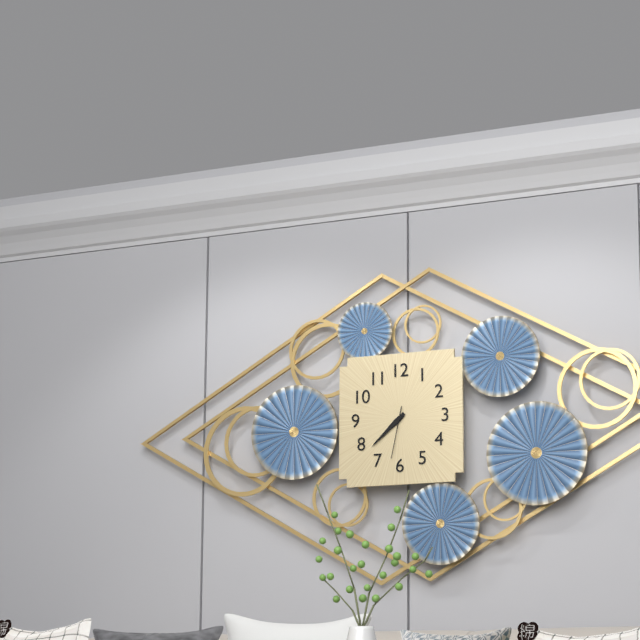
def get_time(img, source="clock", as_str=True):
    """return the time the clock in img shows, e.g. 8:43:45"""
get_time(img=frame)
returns 7:38:32
